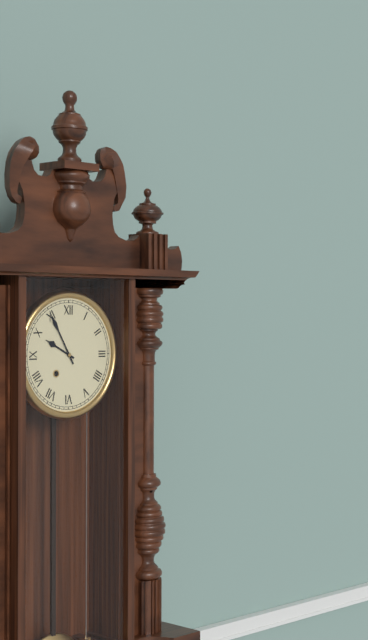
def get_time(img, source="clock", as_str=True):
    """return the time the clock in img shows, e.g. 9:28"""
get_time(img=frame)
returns 9:55
